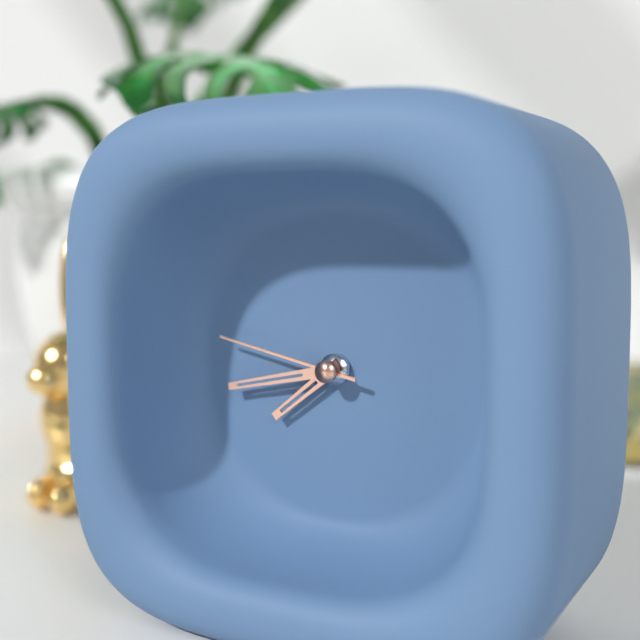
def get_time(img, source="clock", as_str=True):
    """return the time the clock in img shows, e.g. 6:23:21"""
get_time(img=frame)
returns 7:43:47
